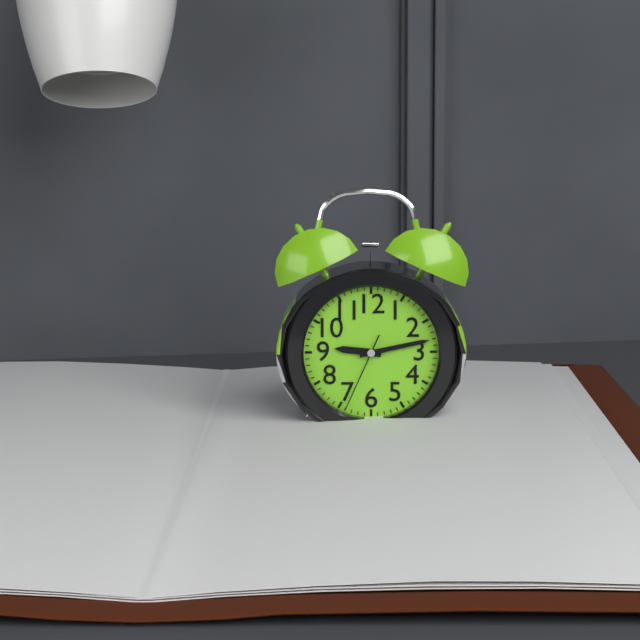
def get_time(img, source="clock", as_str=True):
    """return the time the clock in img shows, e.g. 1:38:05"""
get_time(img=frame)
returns 9:13:34
